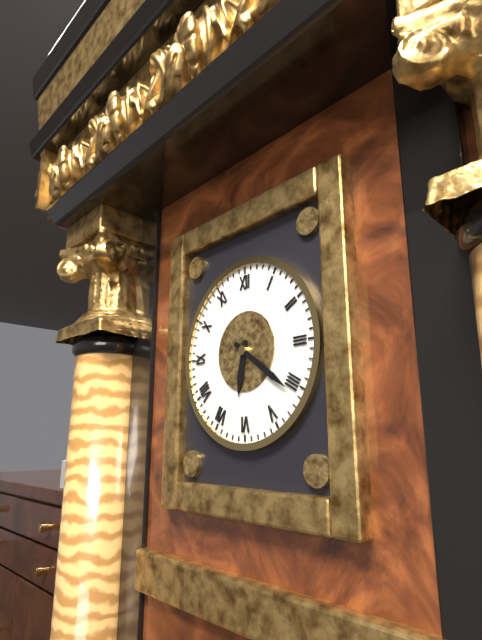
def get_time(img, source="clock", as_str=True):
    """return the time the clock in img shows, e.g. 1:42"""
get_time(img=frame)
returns 6:21
